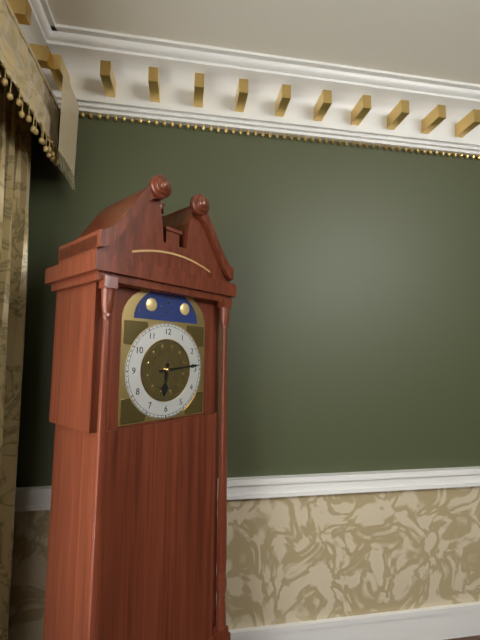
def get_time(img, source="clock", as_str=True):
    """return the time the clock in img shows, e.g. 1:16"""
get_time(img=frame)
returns 6:14
